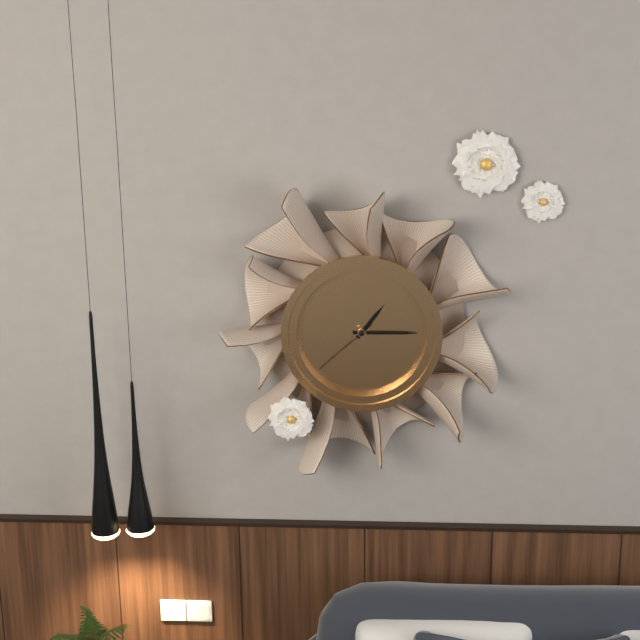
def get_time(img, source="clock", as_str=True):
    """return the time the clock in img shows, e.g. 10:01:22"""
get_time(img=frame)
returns 1:15:38
